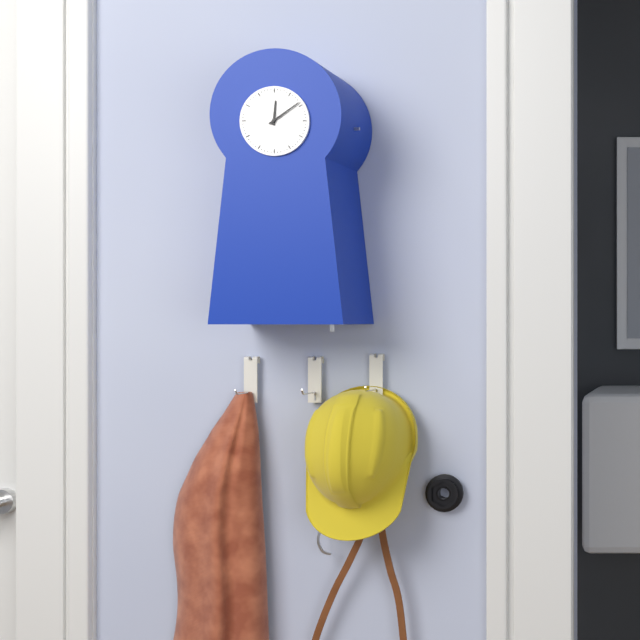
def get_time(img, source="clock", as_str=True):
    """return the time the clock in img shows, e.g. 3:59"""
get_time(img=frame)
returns 12:09
